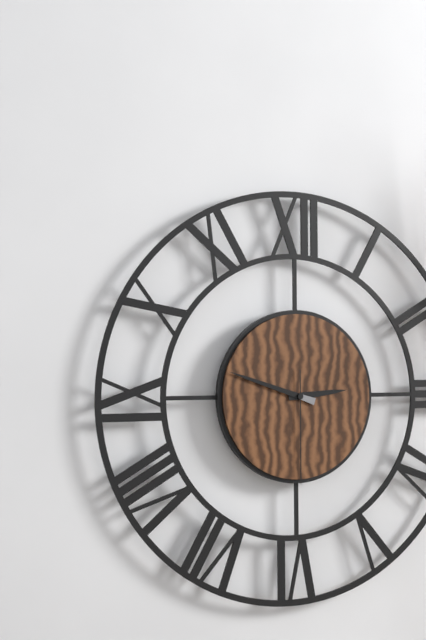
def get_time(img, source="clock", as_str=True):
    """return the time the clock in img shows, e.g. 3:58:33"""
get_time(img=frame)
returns 2:48:30
